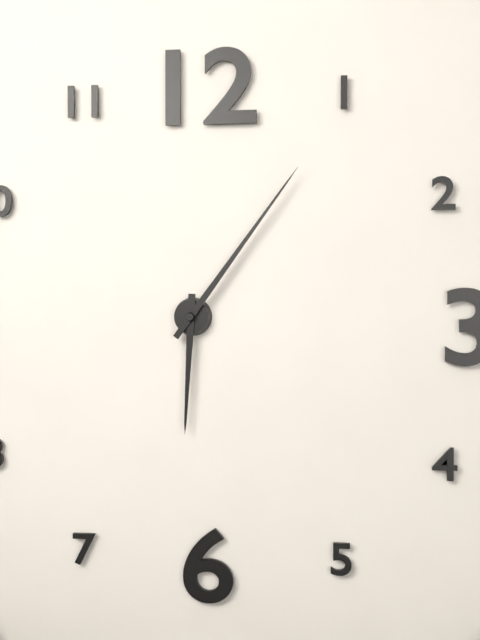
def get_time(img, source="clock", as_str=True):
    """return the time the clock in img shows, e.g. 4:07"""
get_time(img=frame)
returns 6:06
